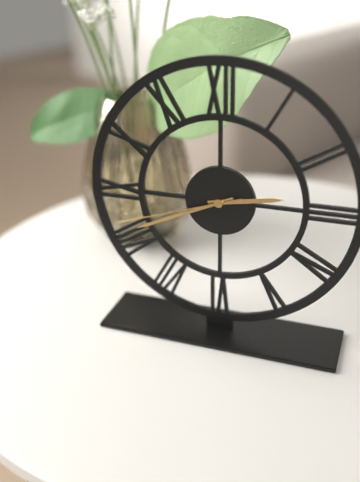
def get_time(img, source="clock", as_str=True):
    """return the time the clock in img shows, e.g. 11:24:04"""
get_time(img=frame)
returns 2:41:42
